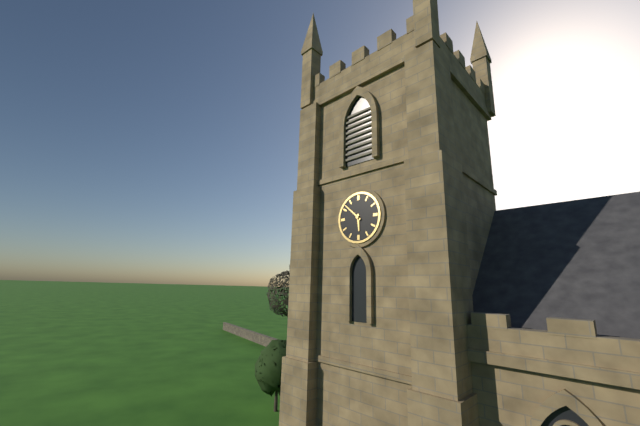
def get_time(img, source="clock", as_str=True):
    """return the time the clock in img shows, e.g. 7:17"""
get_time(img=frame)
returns 5:52
